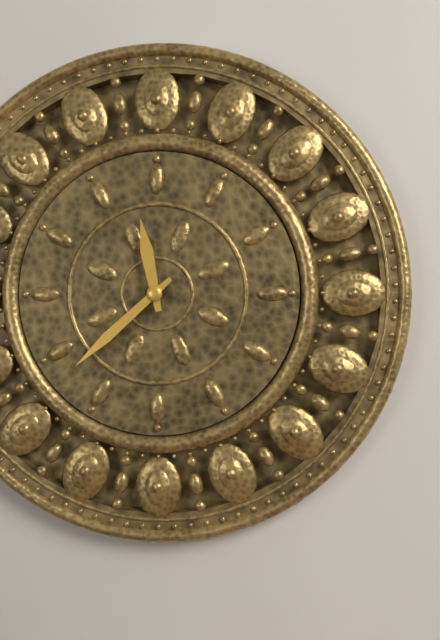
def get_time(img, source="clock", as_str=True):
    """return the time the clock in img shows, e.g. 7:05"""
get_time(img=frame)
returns 11:38
